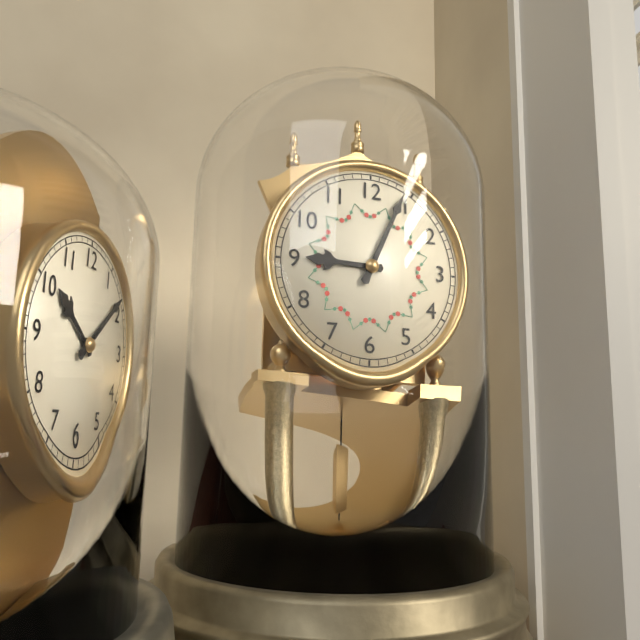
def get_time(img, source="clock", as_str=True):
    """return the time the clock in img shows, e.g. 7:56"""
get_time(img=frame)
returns 9:04
